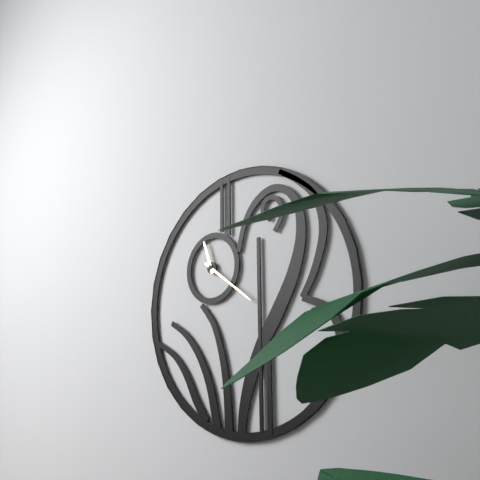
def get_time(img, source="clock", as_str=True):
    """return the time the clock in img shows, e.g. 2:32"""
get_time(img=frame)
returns 11:21
